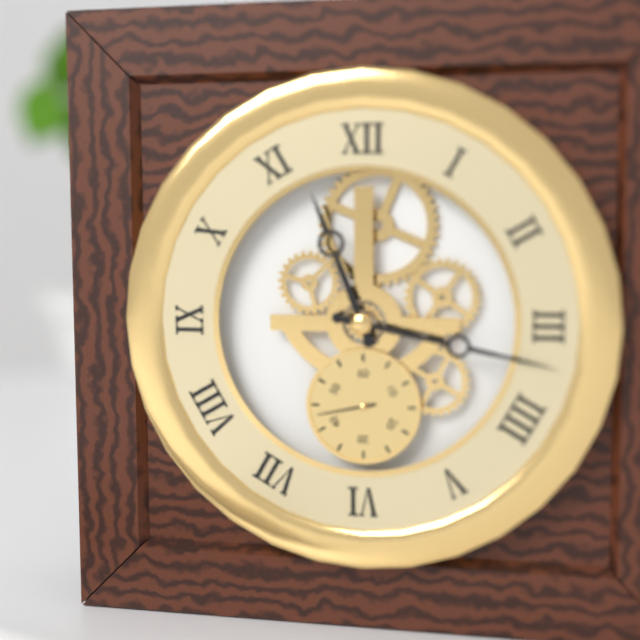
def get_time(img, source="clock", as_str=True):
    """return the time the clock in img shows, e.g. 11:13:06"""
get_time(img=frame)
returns 11:17:43
